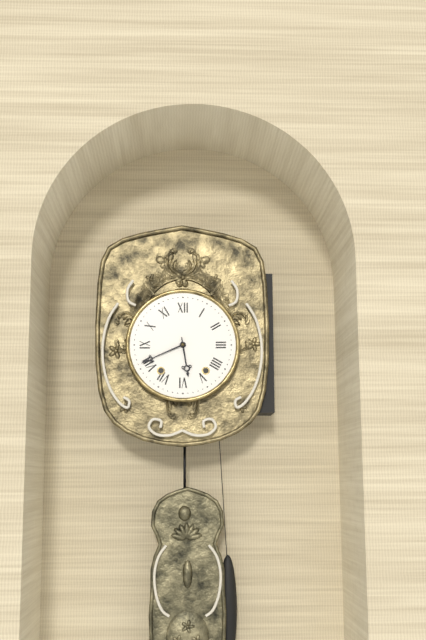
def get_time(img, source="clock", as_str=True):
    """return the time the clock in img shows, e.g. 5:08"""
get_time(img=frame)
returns 5:41
